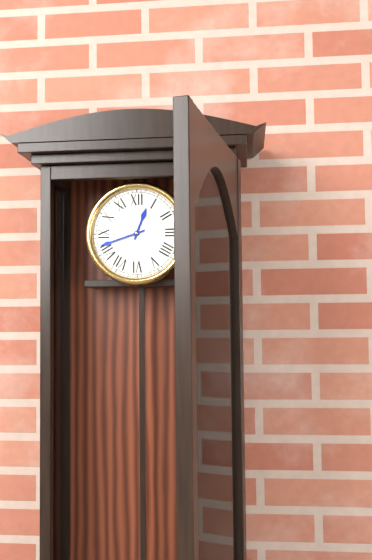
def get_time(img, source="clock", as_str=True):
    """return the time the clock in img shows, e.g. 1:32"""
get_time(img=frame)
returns 12:42
